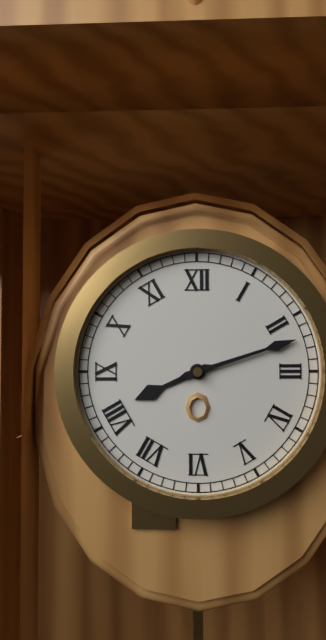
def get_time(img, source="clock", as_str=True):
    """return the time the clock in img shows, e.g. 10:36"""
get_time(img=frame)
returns 8:12
